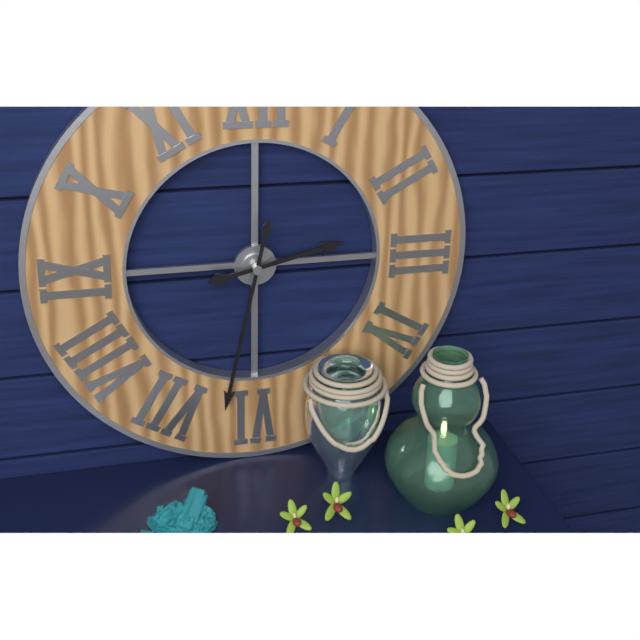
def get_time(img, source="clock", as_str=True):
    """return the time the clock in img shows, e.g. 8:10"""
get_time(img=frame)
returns 2:32
